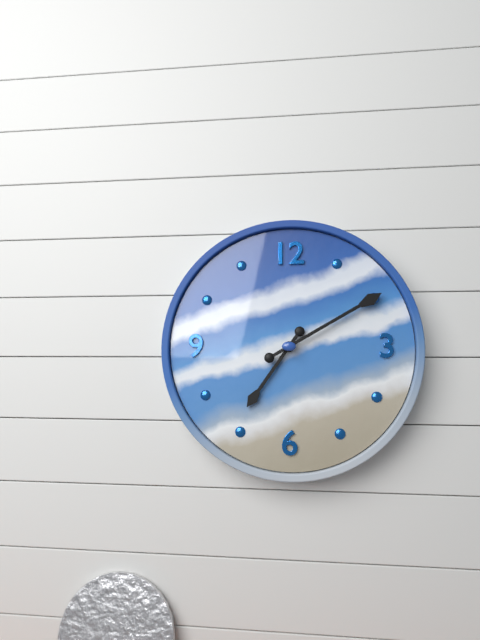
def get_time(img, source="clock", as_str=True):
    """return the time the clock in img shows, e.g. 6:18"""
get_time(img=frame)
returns 7:10
